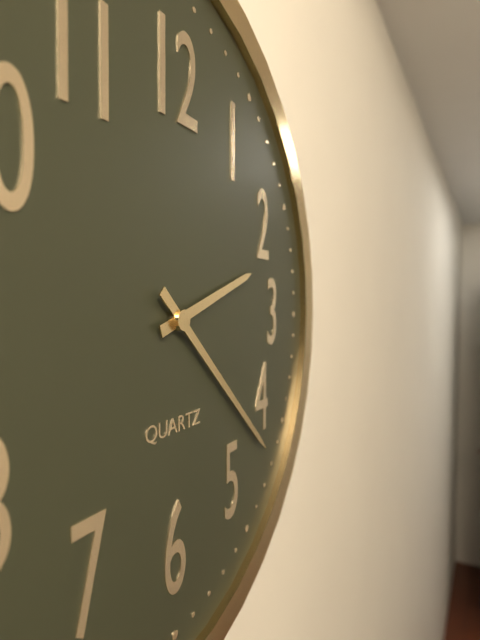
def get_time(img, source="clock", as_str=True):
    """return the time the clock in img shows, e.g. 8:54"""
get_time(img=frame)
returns 2:22
